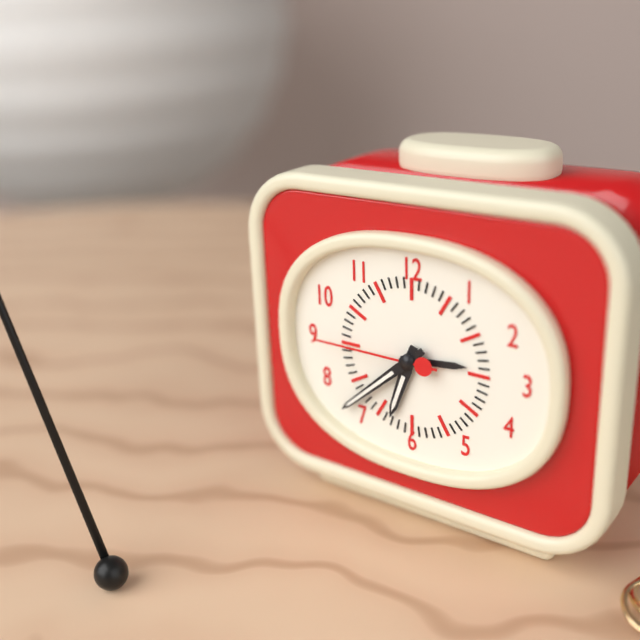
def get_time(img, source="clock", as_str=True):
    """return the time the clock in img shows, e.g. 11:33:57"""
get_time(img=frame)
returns 6:38:45
